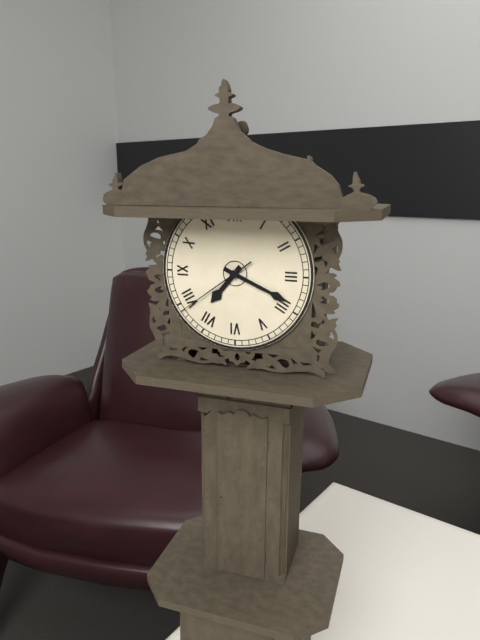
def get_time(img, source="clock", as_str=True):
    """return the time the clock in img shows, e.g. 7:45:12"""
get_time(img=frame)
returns 7:19:39
